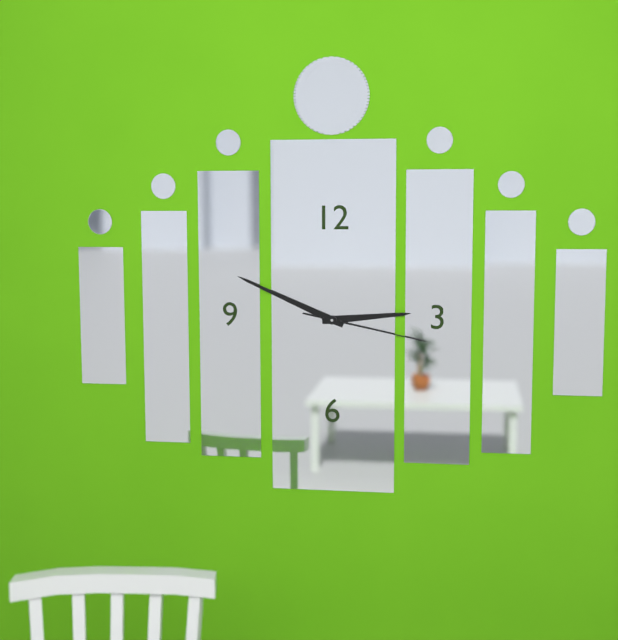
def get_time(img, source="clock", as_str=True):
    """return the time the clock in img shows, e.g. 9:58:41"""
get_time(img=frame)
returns 2:49:17
